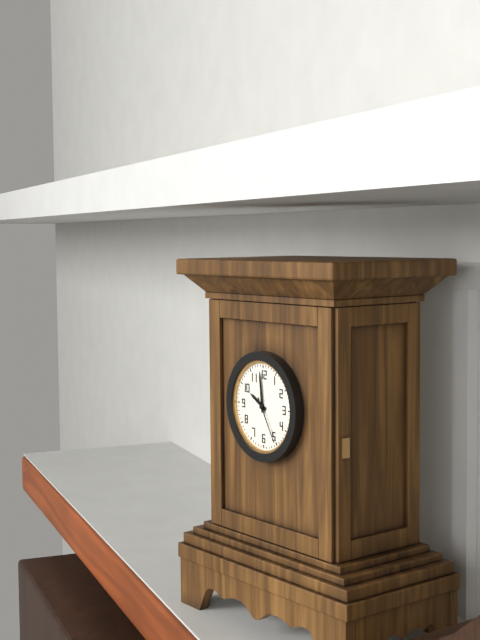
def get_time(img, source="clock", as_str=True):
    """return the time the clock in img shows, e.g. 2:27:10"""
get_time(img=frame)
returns 9:59:25
